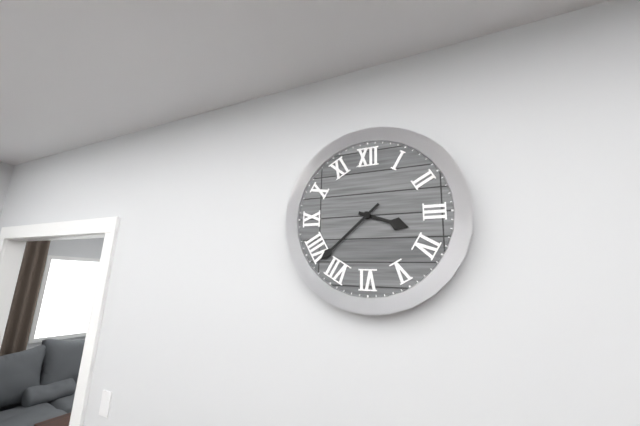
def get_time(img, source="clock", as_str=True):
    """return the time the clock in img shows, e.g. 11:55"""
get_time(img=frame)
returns 3:38
